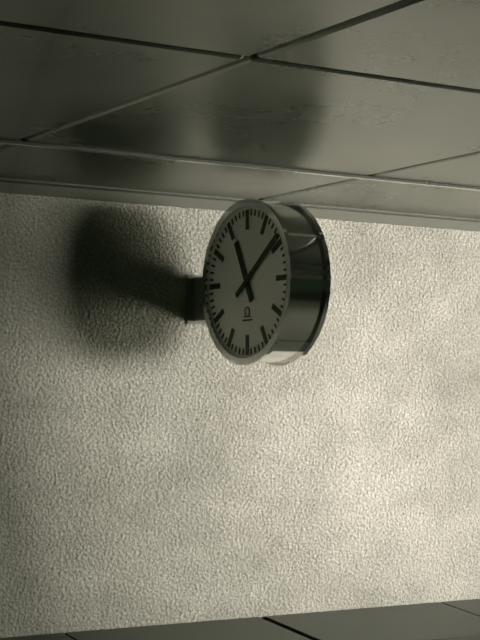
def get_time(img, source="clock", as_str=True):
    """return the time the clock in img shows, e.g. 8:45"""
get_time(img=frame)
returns 11:09
